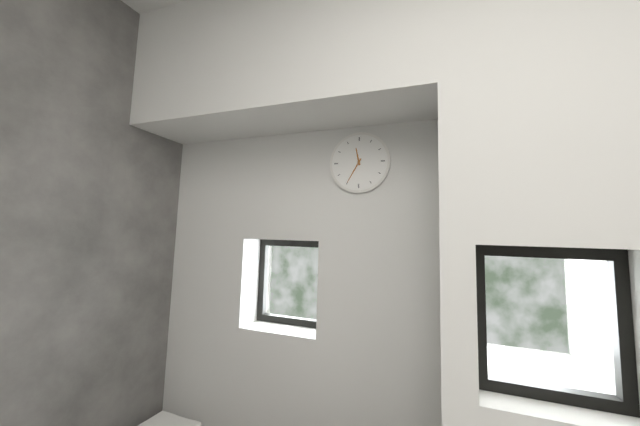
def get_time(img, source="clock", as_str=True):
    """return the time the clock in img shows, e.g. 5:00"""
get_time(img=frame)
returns 11:35
